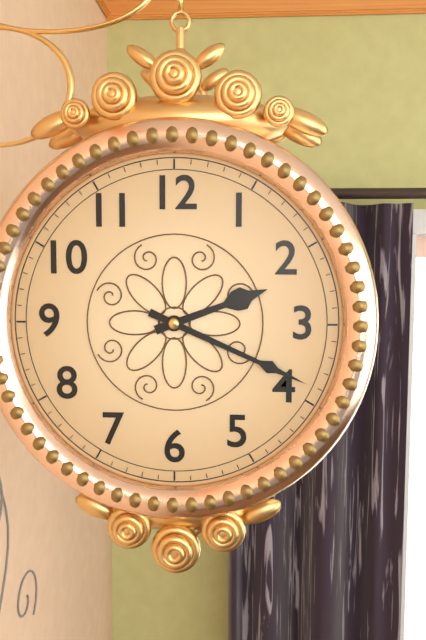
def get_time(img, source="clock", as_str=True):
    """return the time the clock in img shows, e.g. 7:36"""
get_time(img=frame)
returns 2:19
